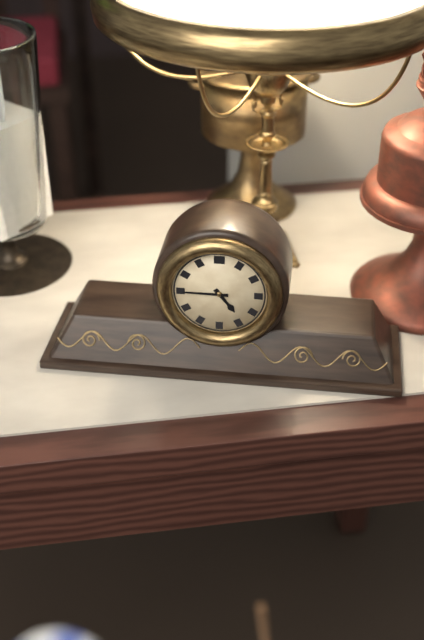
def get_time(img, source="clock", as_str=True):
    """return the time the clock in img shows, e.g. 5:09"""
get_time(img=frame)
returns 4:45
